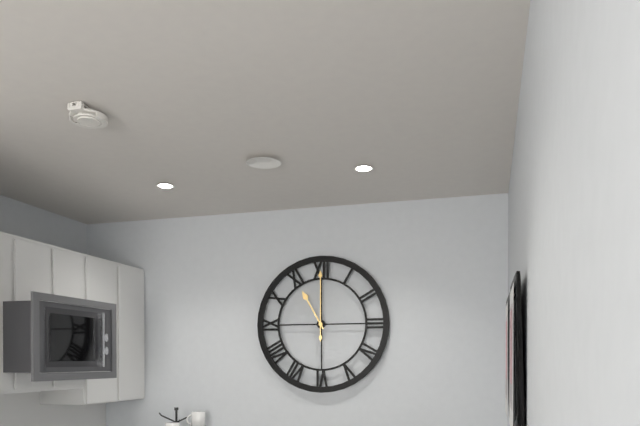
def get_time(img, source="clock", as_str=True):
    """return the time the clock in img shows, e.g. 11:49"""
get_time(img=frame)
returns 11:00
